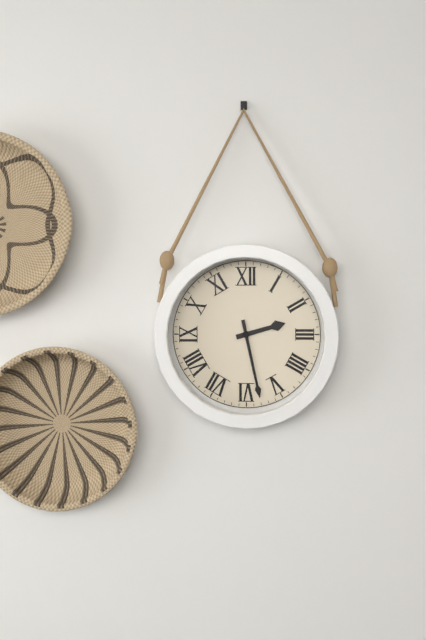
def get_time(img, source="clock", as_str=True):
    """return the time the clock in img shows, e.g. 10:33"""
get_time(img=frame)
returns 2:28
